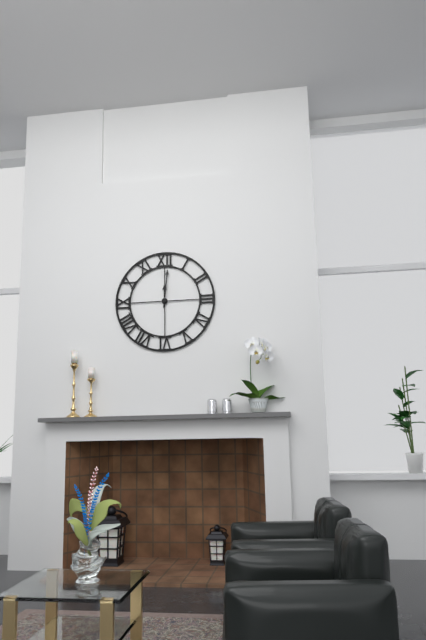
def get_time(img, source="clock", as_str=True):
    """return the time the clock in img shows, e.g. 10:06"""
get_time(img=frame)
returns 12:01
